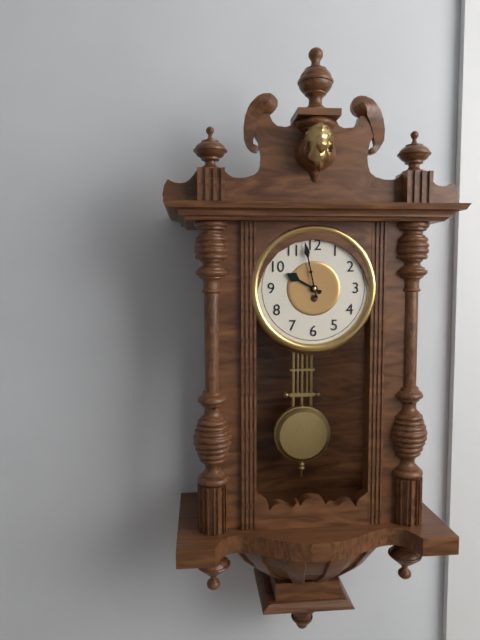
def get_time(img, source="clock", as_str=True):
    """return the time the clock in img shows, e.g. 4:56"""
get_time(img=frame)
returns 9:58
